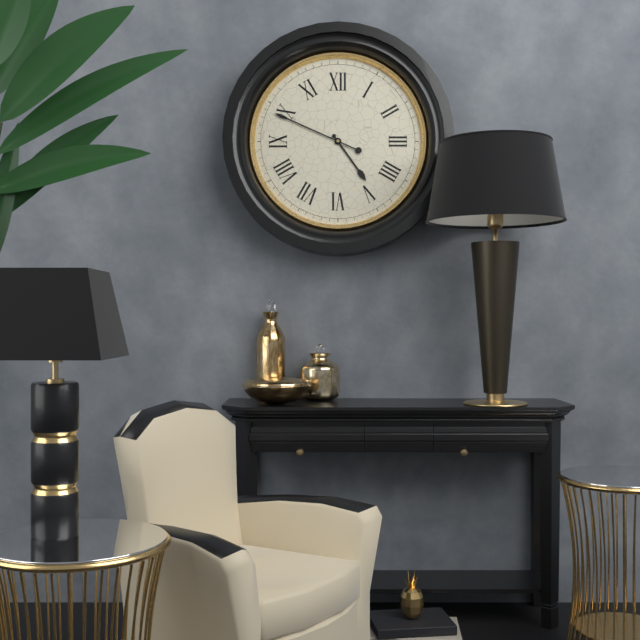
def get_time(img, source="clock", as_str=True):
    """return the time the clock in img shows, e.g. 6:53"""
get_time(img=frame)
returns 4:49
